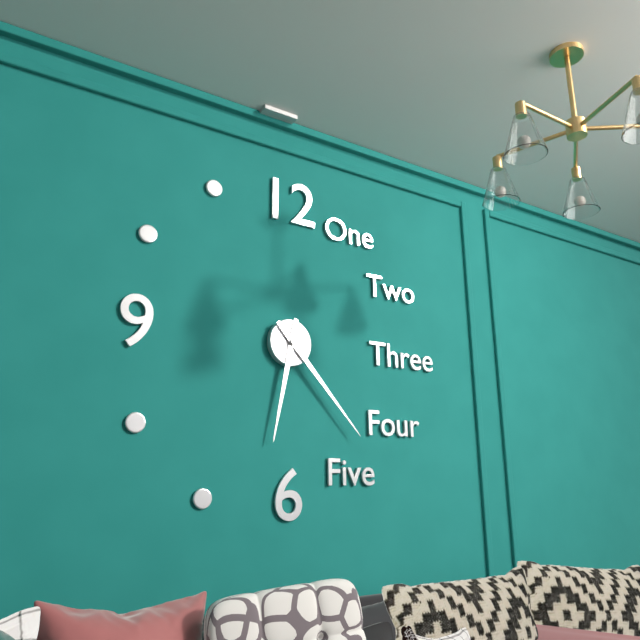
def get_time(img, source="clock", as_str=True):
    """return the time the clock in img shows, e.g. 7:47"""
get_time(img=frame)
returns 6:23
